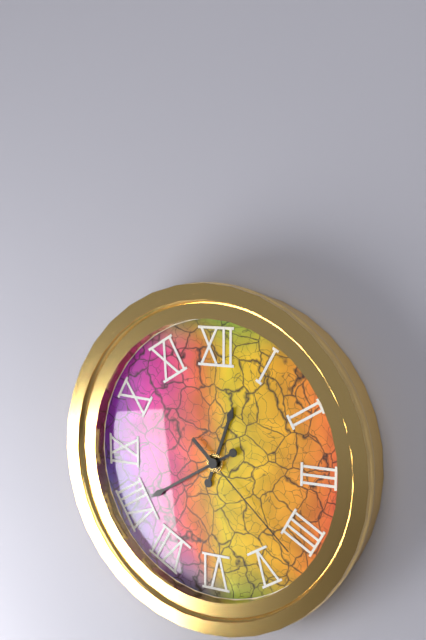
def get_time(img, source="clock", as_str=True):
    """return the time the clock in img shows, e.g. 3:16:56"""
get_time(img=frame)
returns 12:40:22
